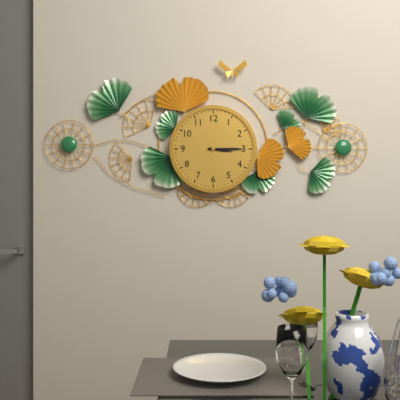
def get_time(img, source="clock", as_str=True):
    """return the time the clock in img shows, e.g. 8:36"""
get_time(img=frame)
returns 3:15
